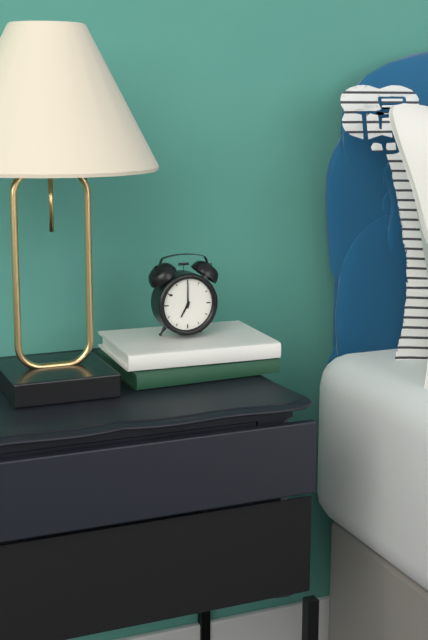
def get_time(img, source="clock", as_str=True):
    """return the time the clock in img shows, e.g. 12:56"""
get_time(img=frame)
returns 7:00
